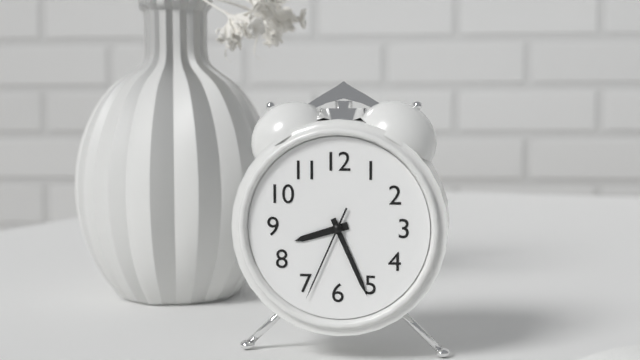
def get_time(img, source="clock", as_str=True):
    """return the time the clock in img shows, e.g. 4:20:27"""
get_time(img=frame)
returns 8:26:34
